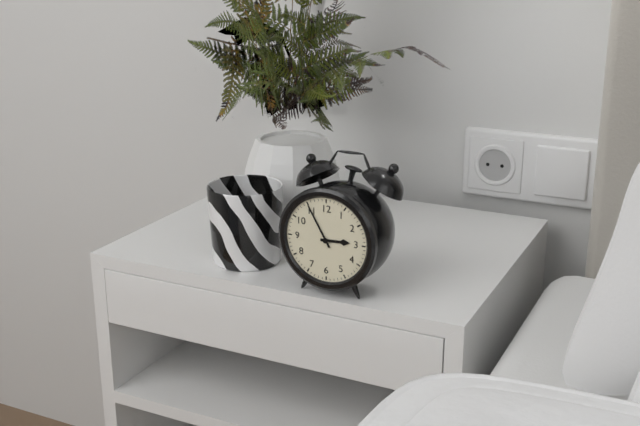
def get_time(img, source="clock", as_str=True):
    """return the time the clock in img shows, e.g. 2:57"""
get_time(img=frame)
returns 2:55
